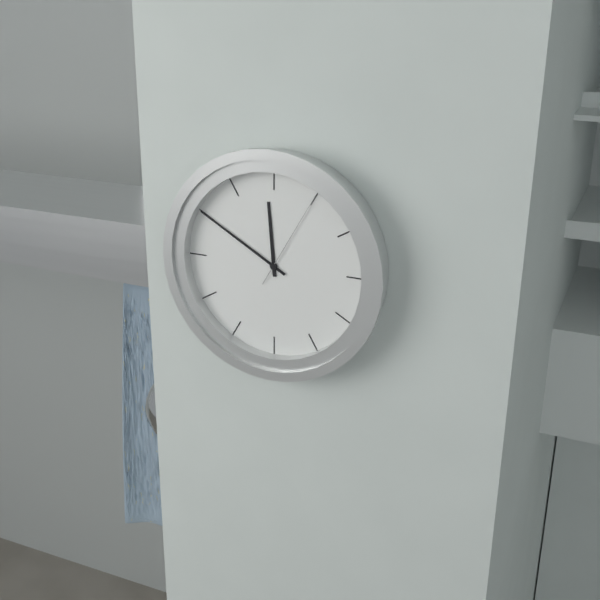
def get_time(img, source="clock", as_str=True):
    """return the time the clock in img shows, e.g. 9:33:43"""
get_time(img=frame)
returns 11:50:05
